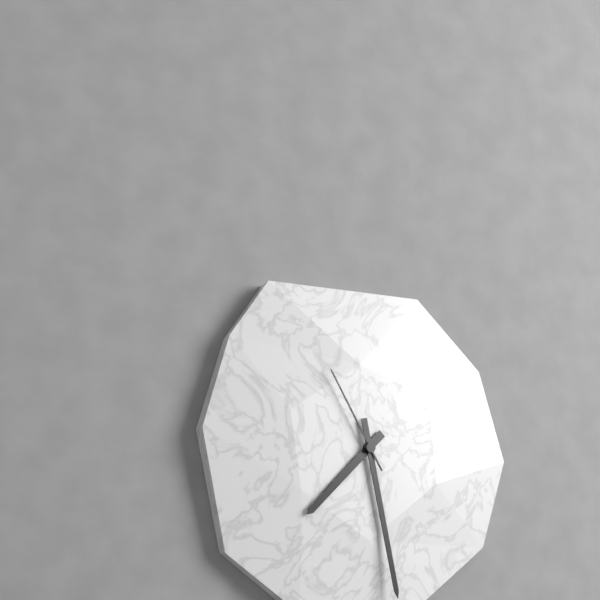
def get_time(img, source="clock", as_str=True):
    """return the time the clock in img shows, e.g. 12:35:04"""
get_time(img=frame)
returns 7:28:55
